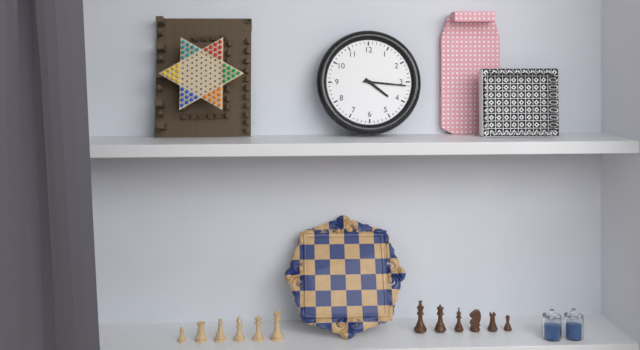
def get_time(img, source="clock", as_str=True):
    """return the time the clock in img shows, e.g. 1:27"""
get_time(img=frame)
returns 4:16
